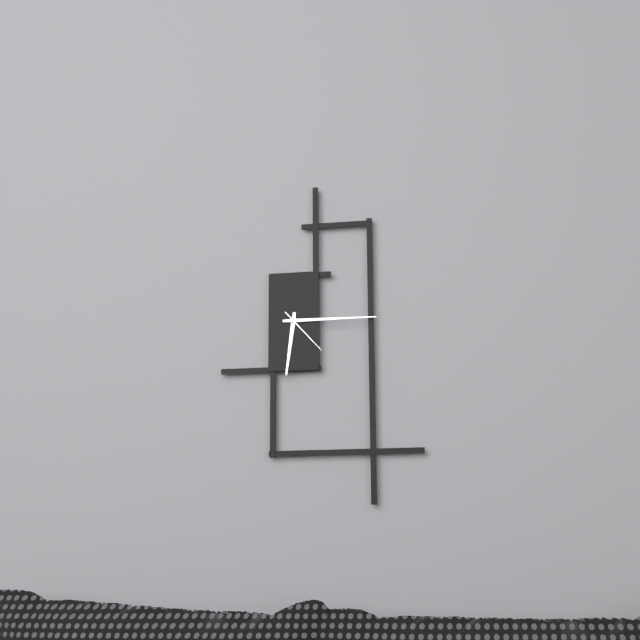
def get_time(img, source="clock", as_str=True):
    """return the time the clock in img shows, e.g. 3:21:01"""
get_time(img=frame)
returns 6:15:23
